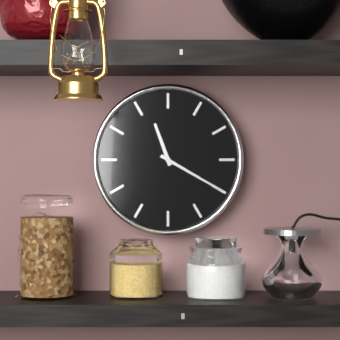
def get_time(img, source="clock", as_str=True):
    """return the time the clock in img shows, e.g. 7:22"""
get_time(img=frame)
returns 11:20
